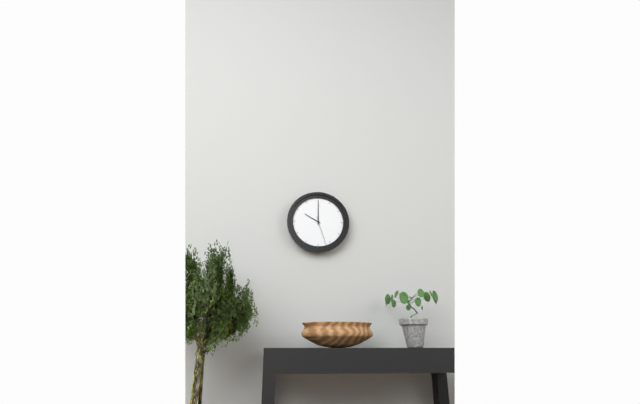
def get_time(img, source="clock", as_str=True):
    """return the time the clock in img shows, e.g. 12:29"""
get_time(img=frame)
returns 10:00
